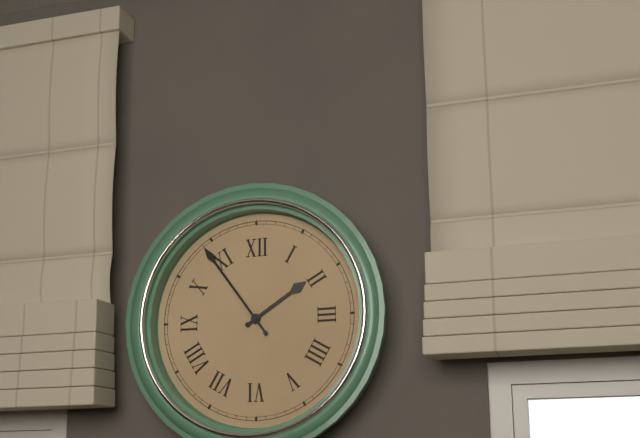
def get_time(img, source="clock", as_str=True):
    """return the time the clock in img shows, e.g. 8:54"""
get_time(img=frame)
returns 1:54
